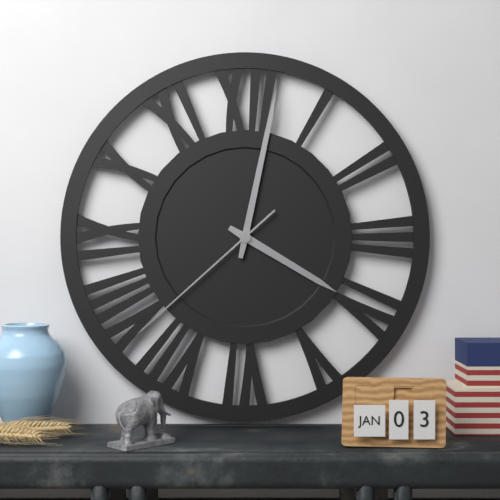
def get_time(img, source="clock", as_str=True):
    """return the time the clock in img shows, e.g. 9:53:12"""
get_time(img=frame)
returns 4:02:38
